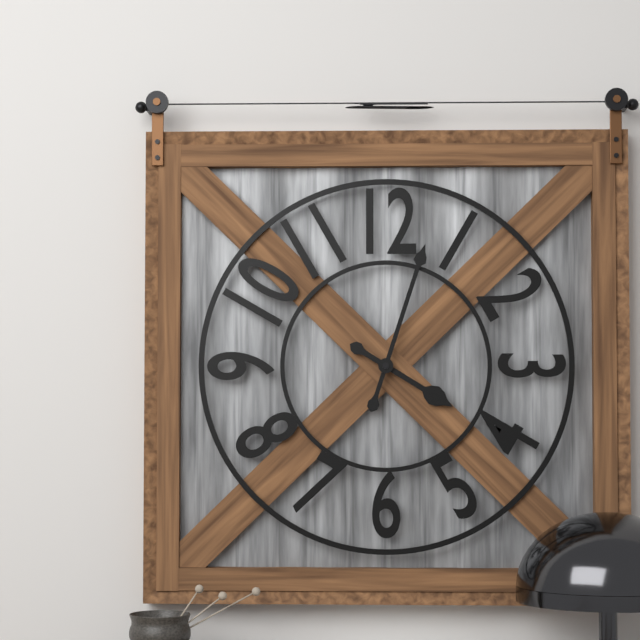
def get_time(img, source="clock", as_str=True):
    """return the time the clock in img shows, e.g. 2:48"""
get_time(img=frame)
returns 4:03
